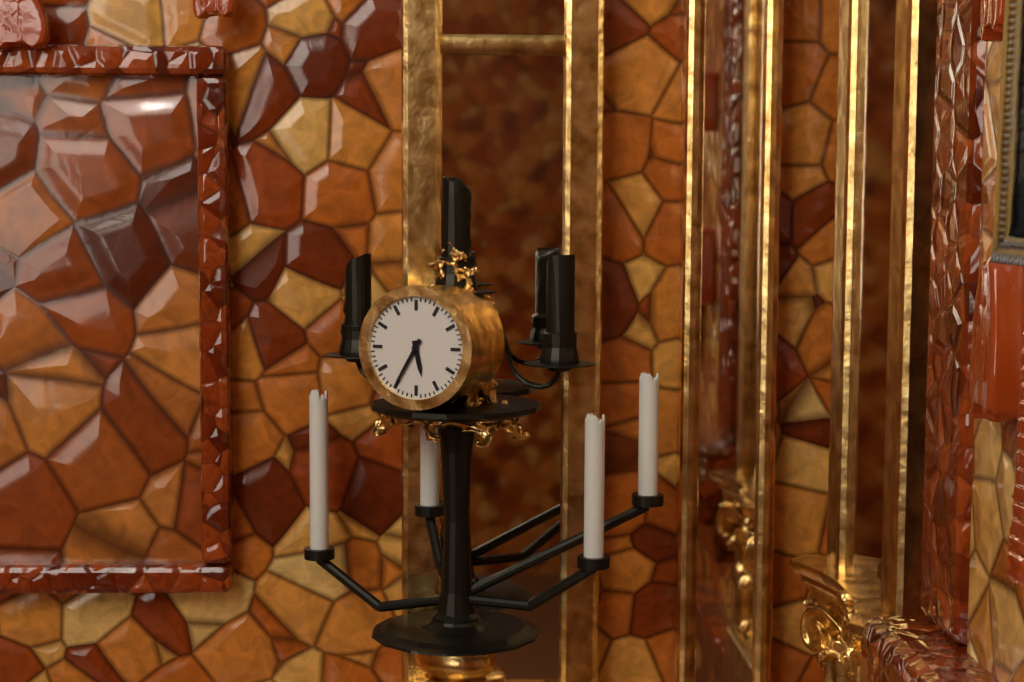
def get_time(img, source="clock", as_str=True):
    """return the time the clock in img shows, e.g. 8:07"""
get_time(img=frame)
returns 5:35
